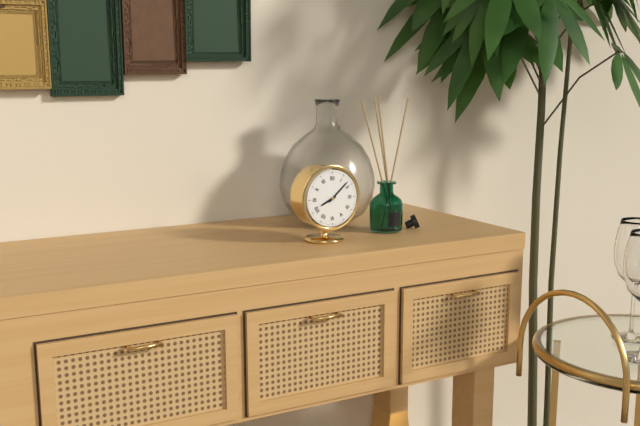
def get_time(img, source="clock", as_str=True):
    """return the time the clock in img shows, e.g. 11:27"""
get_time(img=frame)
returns 8:08
